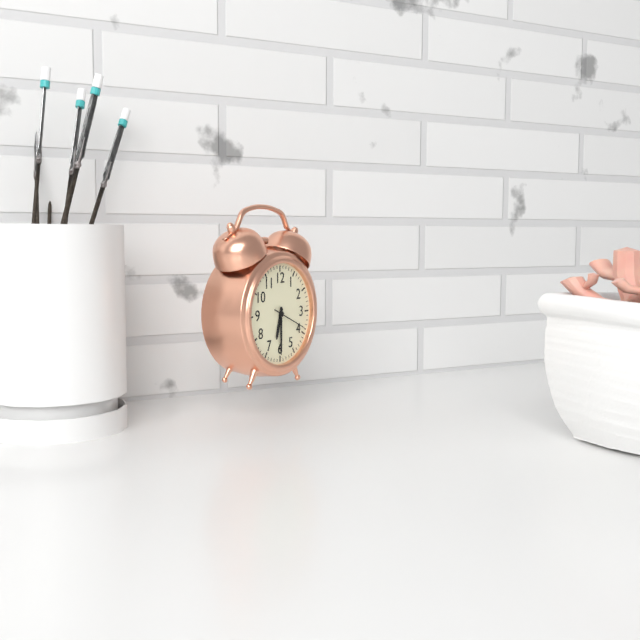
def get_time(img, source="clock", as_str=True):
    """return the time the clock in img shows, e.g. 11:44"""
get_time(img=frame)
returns 6:30
